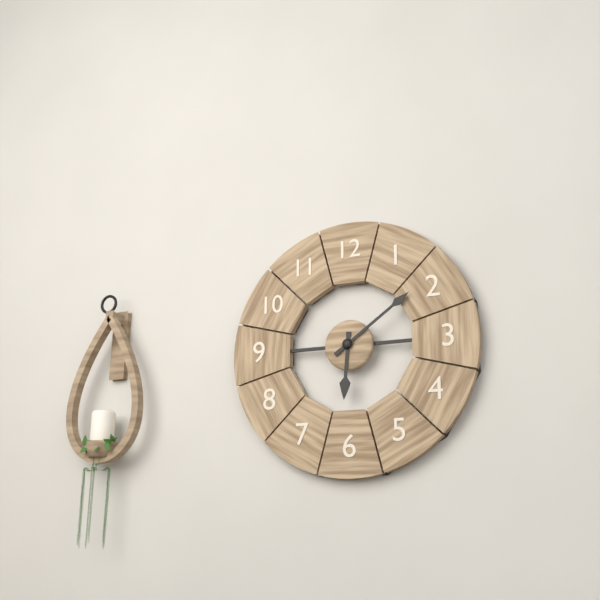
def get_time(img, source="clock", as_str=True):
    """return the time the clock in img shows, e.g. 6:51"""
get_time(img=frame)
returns 6:09
